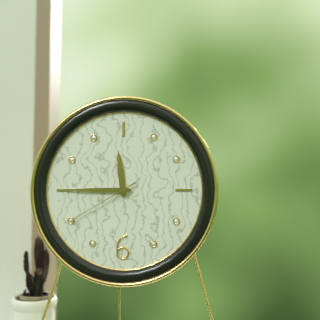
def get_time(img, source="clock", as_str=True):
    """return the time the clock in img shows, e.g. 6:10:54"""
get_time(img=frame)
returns 11:45:40
